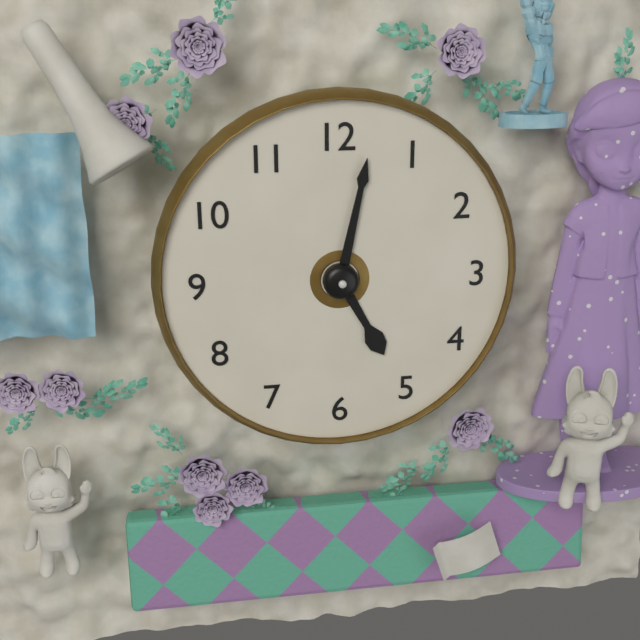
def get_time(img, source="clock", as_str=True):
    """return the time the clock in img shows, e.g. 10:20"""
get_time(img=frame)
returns 5:02
